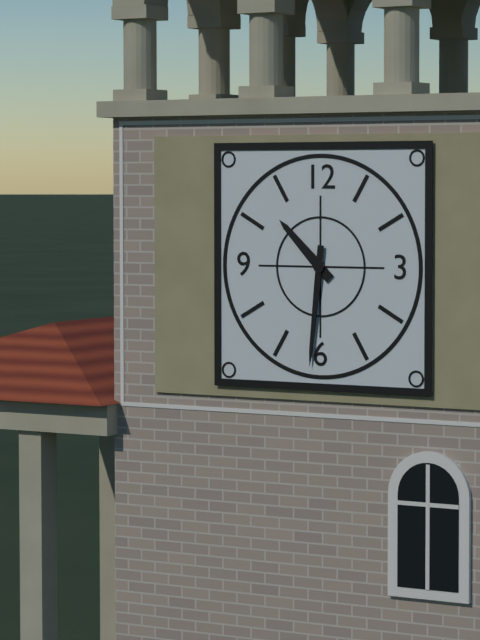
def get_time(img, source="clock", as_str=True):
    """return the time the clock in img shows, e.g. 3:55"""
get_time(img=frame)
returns 10:31
